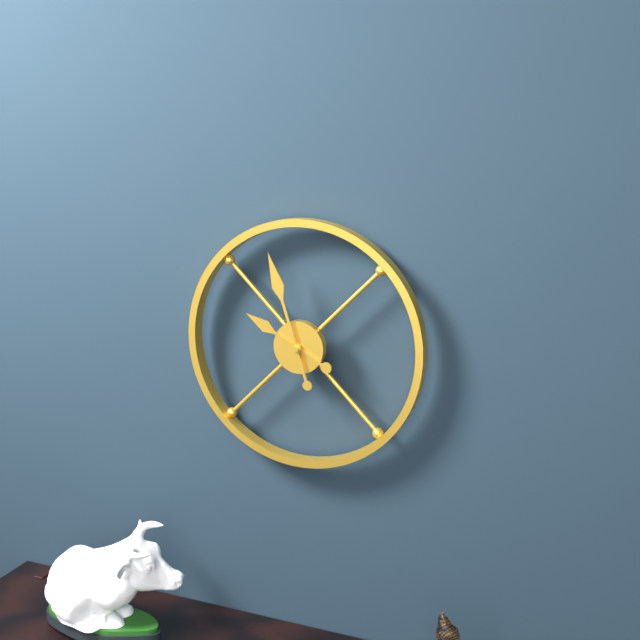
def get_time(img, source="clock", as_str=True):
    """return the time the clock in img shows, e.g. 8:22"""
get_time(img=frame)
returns 9:57
